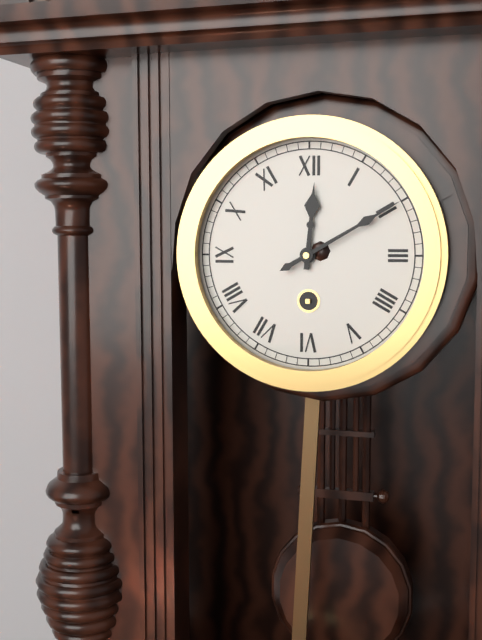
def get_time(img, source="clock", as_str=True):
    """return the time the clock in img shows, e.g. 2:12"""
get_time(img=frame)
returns 12:10
